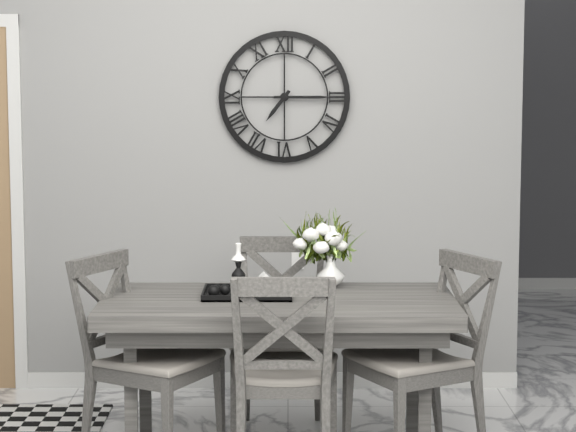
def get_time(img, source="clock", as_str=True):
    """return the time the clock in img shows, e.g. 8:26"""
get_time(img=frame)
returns 7:15
